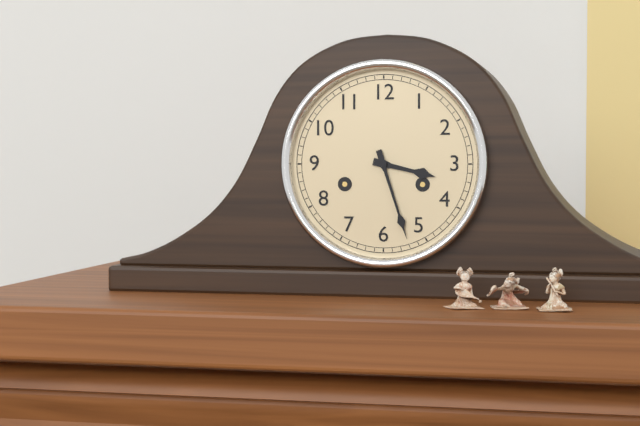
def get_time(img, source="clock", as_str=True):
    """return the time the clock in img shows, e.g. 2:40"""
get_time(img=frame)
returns 3:27
